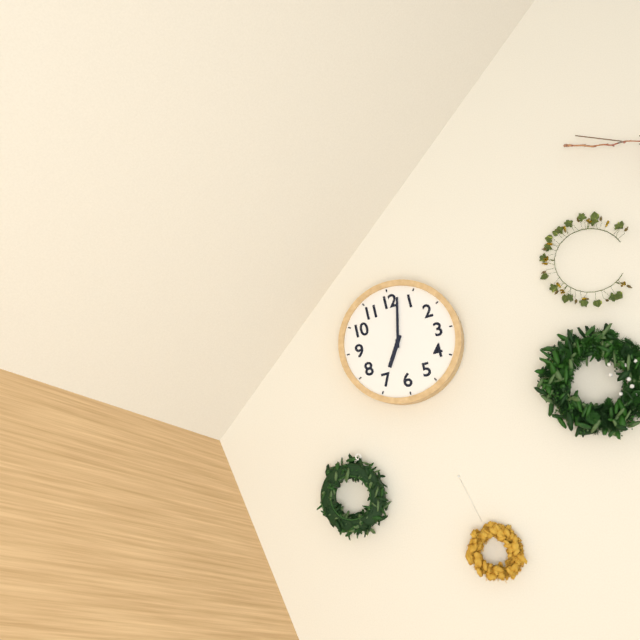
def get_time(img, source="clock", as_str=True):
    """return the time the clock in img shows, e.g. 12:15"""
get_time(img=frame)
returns 7:02
